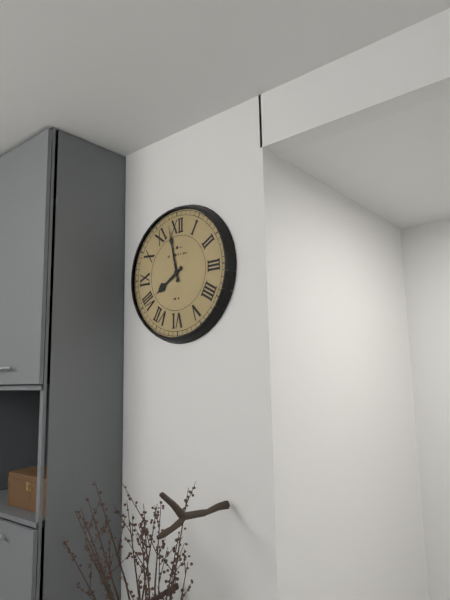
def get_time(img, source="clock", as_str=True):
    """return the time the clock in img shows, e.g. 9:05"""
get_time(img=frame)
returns 7:58
